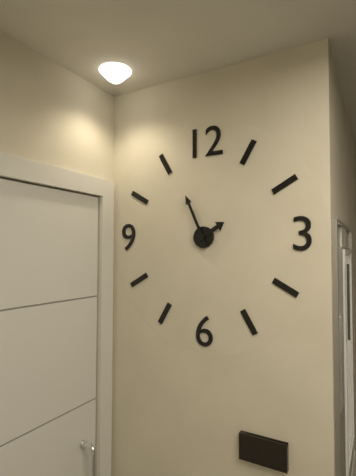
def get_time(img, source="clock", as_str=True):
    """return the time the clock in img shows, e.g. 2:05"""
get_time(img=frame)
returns 1:56
